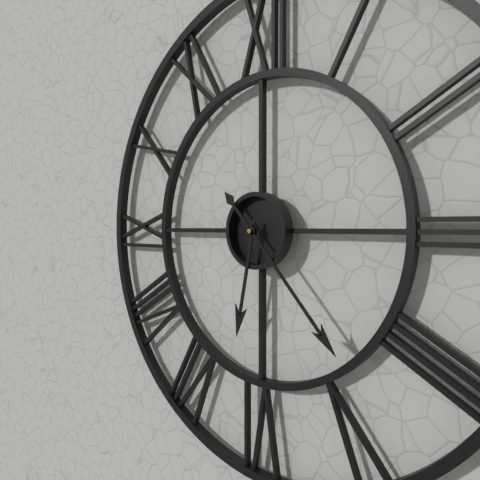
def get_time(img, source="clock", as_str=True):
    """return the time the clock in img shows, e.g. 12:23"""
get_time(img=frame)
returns 6:23
